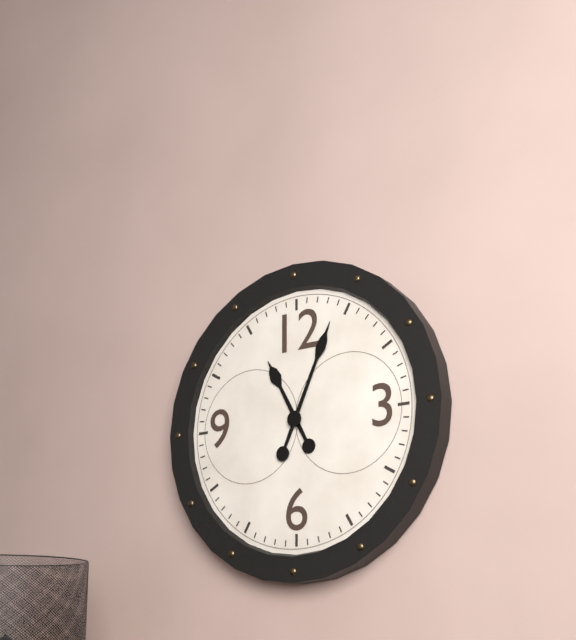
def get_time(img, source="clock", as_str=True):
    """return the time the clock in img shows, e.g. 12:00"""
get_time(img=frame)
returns 11:04
